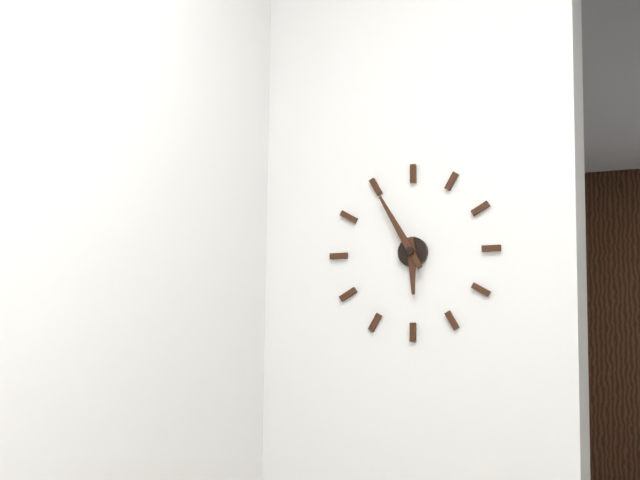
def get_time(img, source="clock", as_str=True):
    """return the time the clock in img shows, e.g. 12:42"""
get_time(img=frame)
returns 5:55
